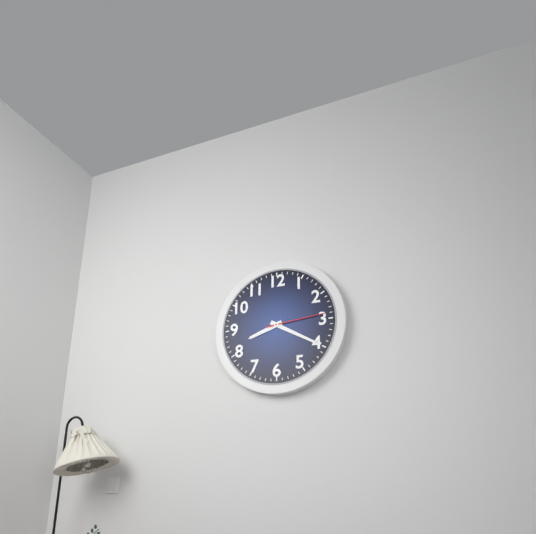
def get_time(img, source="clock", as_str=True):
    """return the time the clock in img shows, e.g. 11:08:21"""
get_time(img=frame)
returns 8:20:14
